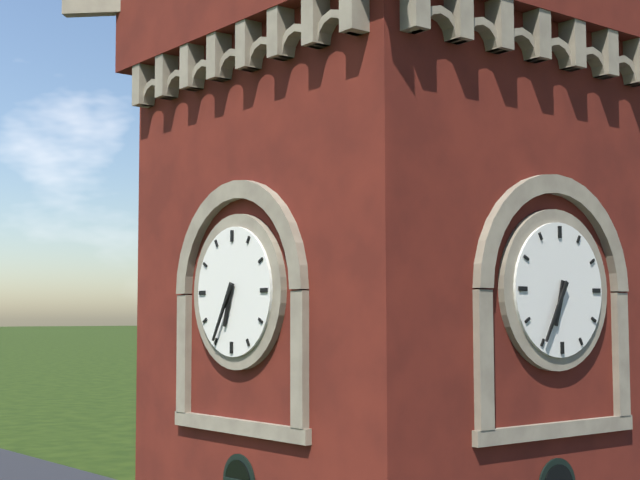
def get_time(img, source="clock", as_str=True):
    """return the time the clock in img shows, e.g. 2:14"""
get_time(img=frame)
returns 6:35
